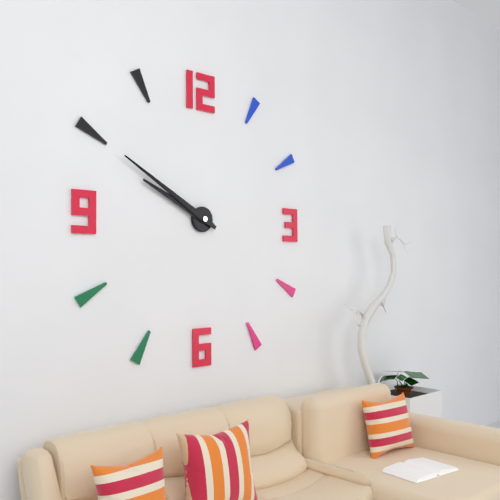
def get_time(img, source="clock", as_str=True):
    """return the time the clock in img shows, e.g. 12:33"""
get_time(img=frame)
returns 9:50
